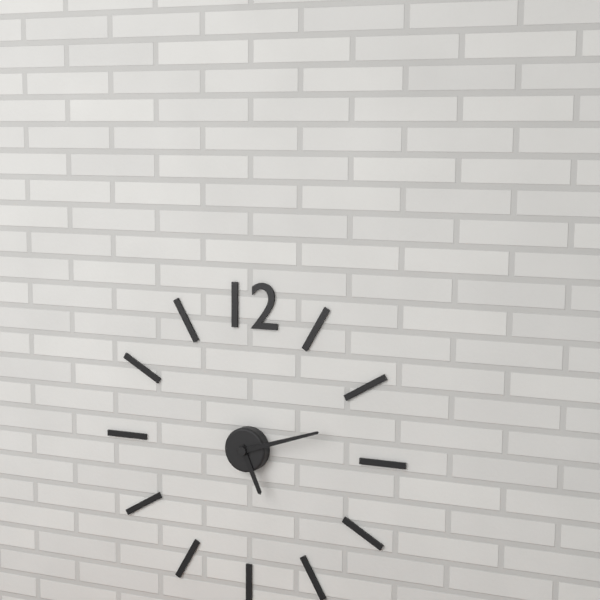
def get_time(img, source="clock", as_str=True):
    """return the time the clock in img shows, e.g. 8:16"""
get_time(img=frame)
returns 5:12
